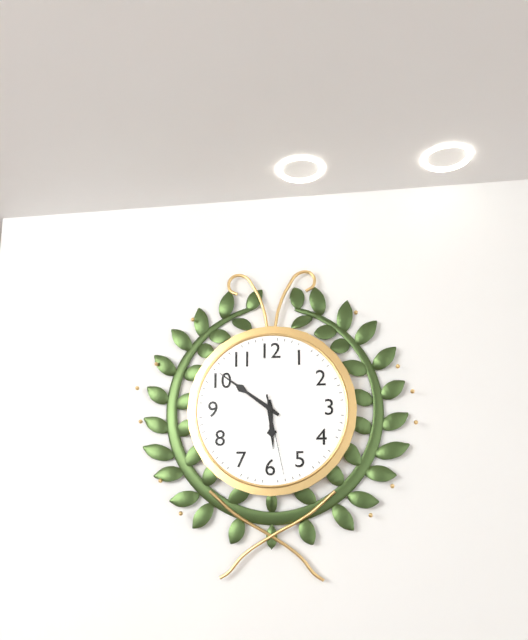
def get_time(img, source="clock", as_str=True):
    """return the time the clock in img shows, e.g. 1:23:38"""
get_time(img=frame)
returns 5:51:28
